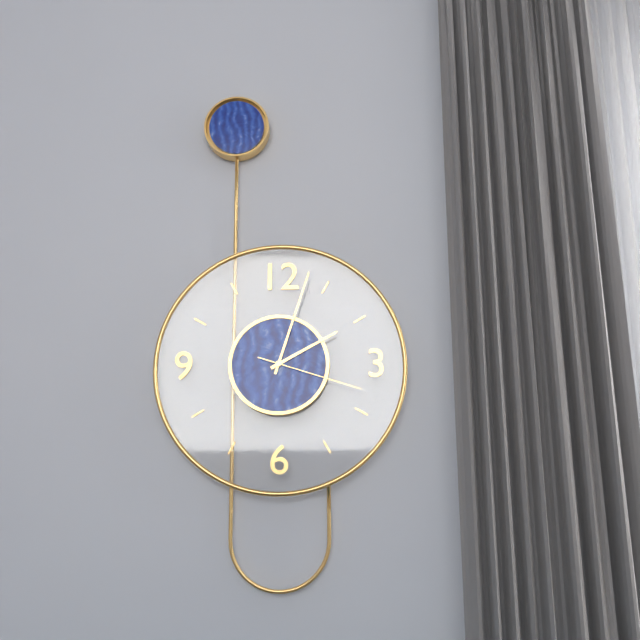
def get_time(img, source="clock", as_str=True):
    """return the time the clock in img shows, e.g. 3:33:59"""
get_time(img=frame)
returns 2:03:18
